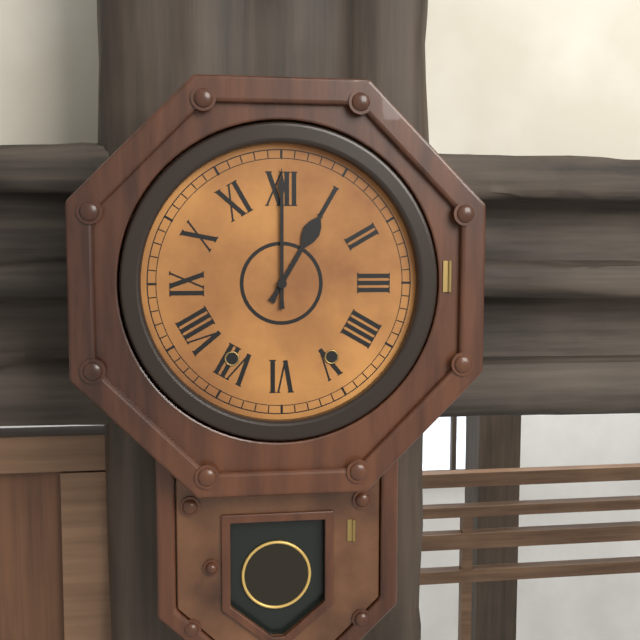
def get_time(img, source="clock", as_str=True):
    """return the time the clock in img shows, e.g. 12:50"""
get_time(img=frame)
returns 1:00
